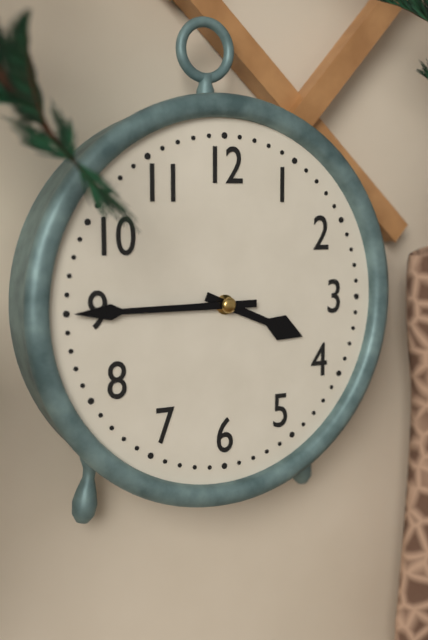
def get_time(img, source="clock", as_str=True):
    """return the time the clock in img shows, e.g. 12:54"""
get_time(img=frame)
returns 3:45
